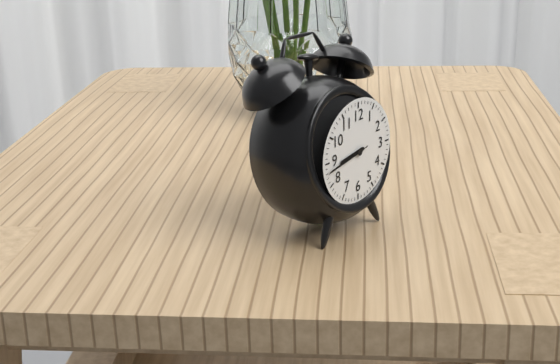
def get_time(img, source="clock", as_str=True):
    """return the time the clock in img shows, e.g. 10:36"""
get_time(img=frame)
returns 8:43
